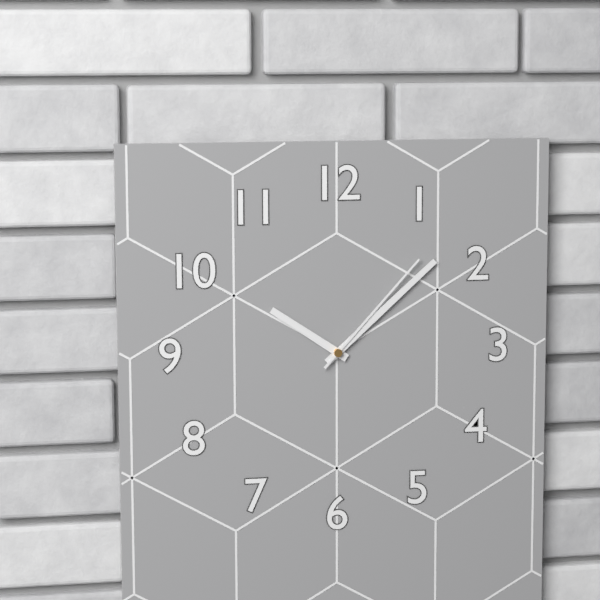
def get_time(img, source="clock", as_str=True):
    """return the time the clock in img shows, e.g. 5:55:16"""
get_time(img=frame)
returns 10:08:07
